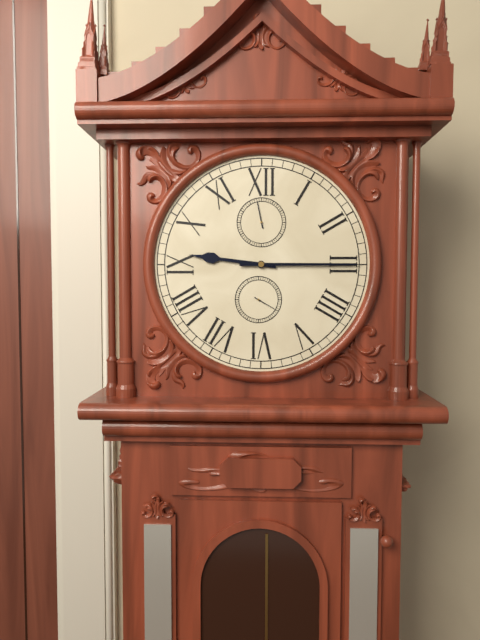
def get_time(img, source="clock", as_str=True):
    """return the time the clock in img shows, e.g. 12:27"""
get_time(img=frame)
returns 9:15
